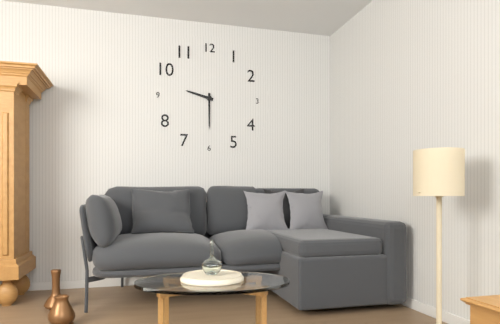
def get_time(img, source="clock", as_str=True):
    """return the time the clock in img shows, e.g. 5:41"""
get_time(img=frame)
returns 9:30
